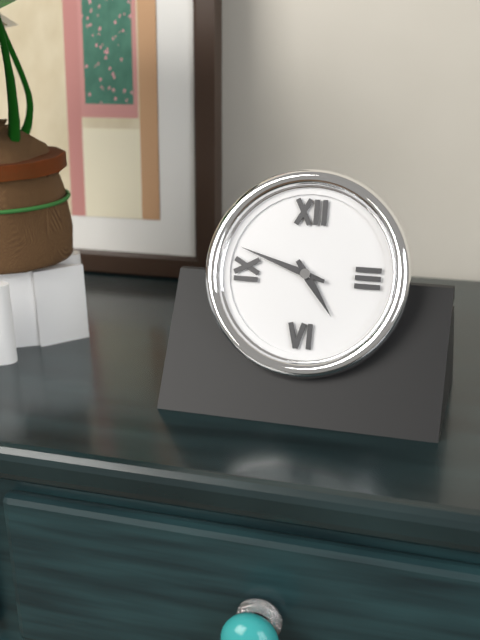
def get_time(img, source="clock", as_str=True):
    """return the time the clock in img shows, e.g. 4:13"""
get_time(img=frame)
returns 4:48
